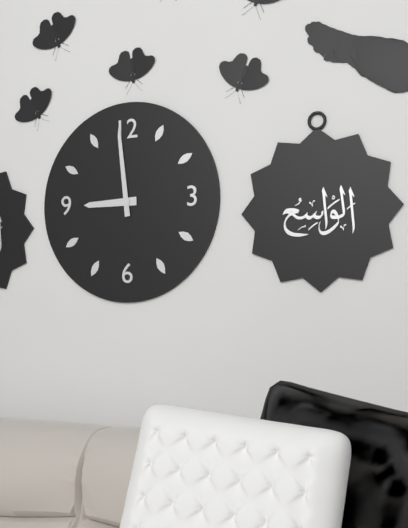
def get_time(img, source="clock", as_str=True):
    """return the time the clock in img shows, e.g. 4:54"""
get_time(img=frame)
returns 8:59
